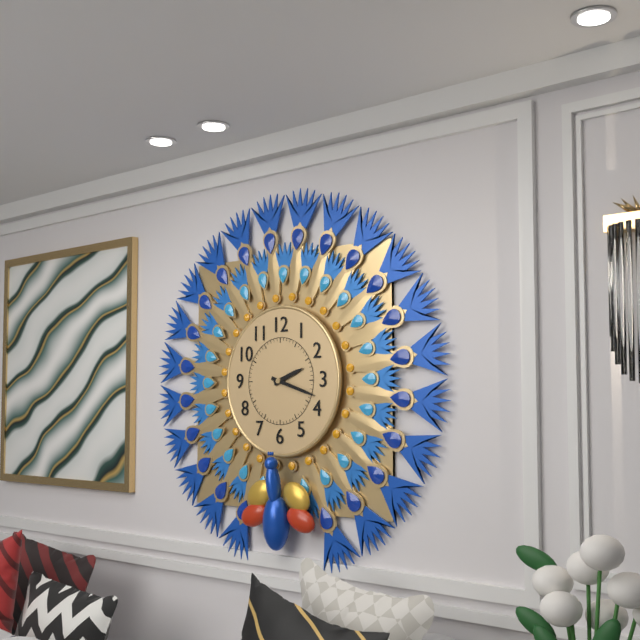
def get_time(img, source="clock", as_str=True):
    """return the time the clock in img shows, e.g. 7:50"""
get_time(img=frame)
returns 2:18
